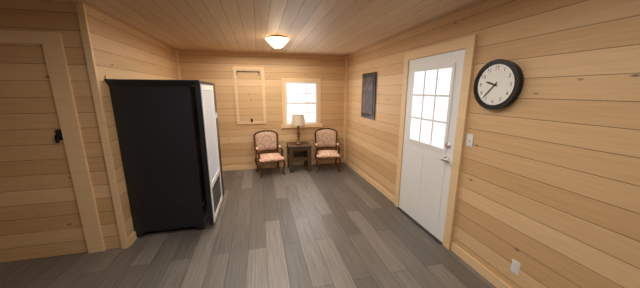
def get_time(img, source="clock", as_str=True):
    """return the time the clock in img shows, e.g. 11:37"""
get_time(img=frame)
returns 9:37
